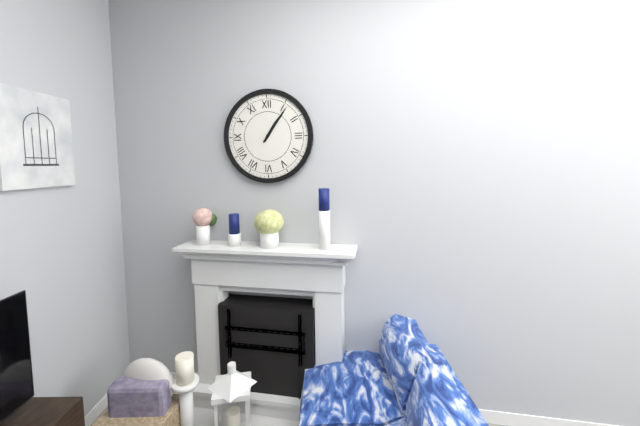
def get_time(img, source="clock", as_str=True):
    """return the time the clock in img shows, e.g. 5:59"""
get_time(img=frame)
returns 1:06
